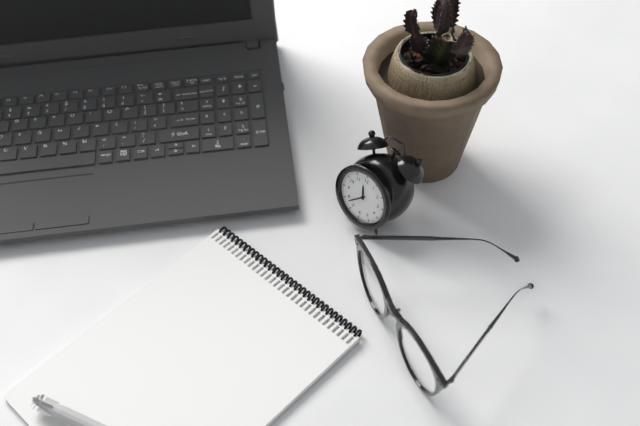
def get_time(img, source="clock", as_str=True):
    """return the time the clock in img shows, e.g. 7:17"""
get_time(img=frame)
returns 11:38
